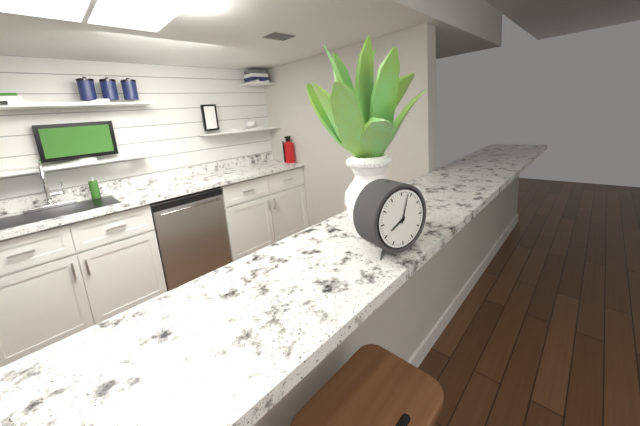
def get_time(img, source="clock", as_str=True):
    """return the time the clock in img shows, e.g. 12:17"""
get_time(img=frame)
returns 8:03
